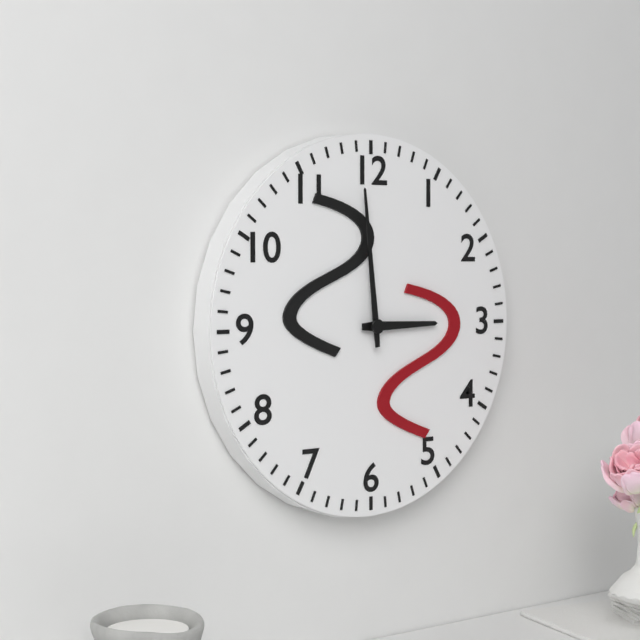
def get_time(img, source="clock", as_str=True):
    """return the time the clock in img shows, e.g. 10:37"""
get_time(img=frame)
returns 2:59
